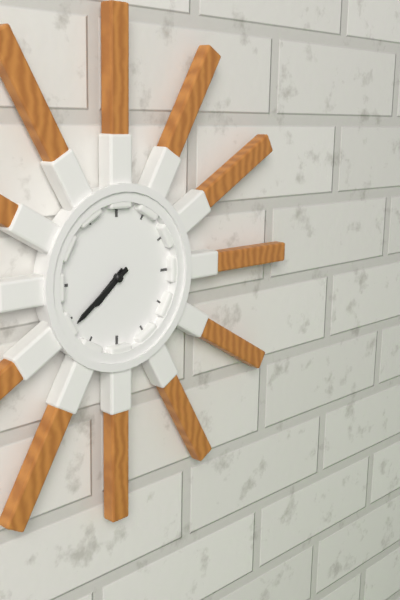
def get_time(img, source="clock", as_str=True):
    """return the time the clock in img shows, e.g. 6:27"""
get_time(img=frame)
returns 7:39
